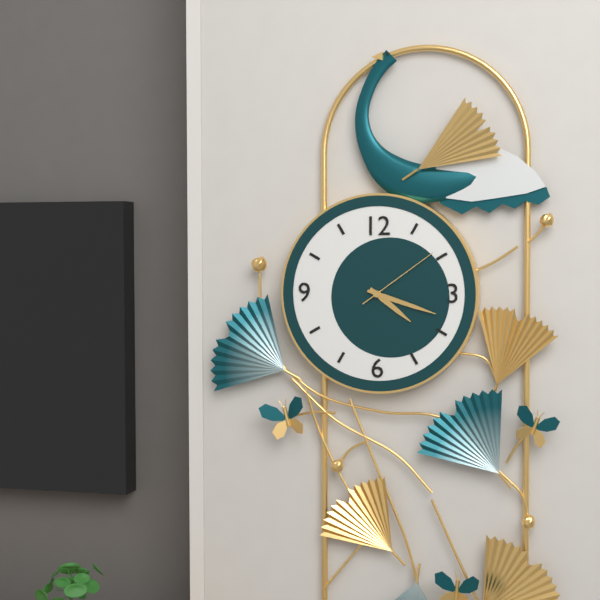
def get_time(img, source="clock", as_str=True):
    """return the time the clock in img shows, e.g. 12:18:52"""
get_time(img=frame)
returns 4:18:09
